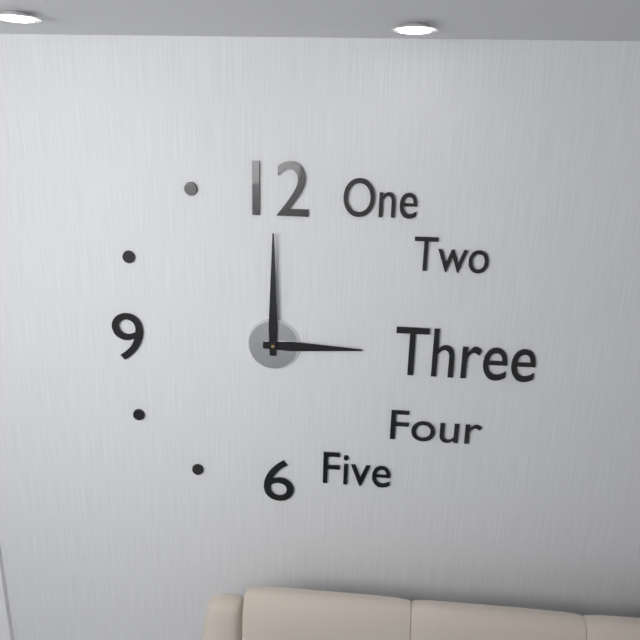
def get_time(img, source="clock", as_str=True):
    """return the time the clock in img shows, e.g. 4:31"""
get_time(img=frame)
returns 3:00
